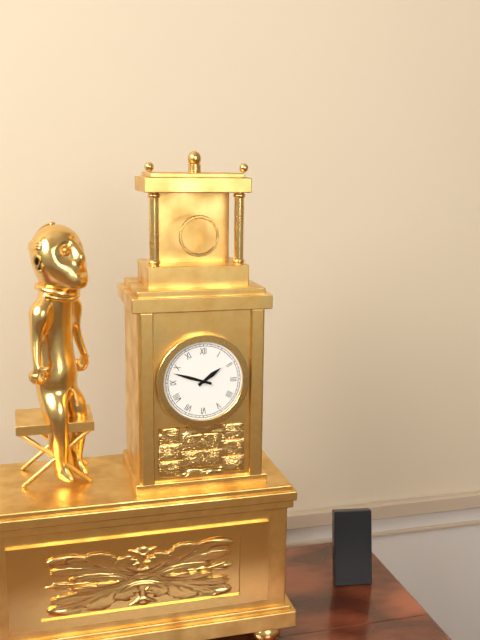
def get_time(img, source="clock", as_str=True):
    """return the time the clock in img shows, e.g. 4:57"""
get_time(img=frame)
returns 1:48
